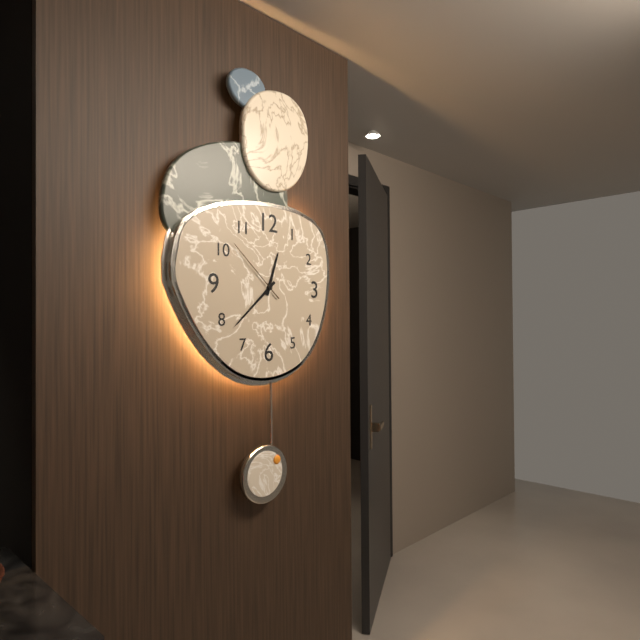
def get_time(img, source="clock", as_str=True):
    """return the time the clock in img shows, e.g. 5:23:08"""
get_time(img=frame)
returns 12:38:52
